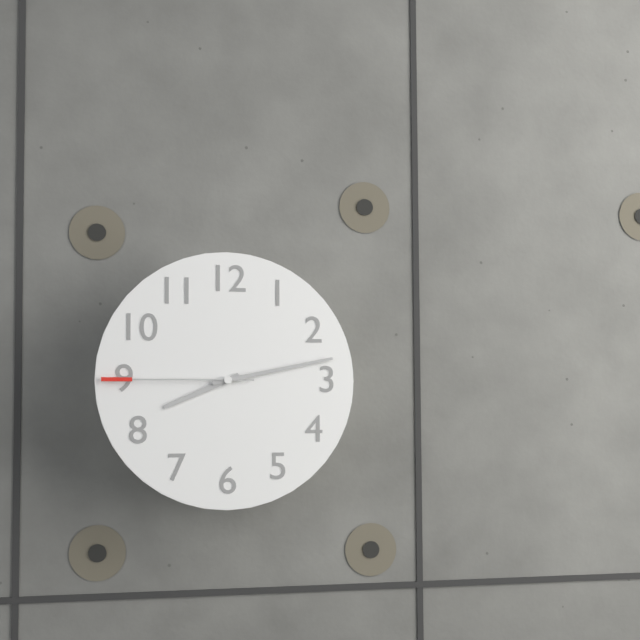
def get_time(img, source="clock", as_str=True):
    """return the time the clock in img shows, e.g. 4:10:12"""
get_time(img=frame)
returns 8:13:45
